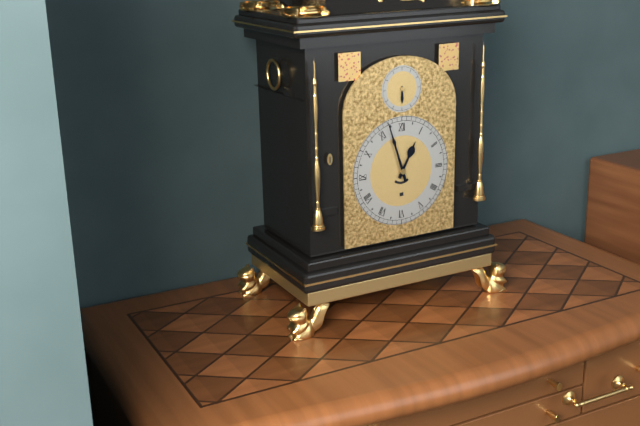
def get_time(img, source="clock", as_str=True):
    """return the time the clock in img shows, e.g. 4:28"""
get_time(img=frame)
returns 12:57
